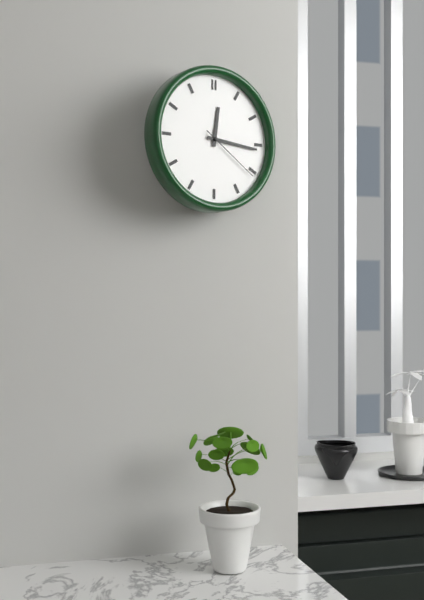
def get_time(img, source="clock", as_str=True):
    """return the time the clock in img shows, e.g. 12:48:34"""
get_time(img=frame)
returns 12:16:21
